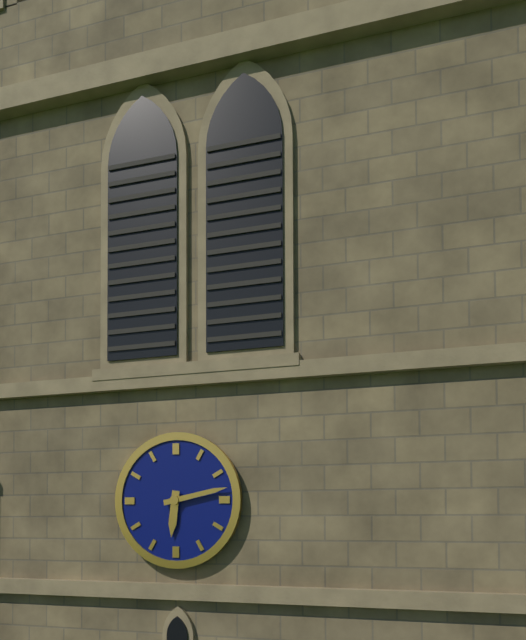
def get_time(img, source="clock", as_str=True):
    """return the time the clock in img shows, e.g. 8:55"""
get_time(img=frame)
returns 6:13
